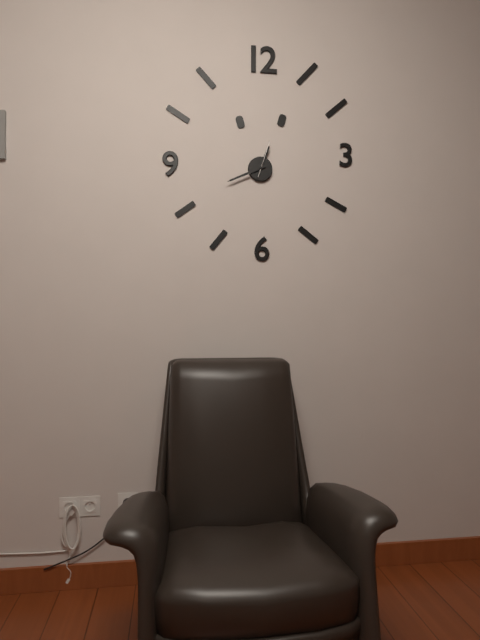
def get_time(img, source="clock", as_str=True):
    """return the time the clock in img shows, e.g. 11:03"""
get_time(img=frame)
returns 12:41
